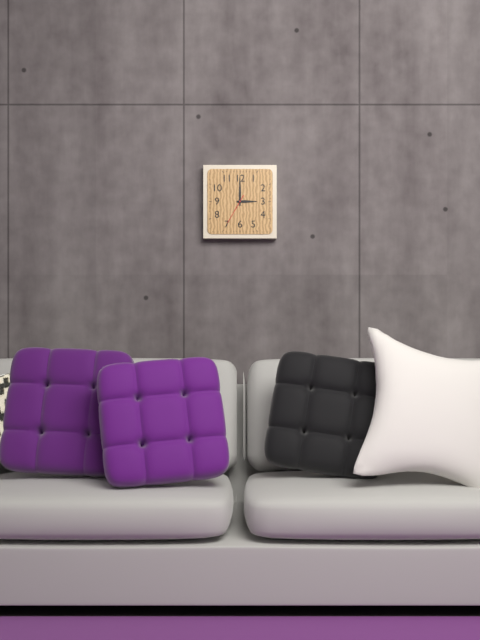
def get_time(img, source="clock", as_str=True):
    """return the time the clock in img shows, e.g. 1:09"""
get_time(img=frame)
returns 3:00
